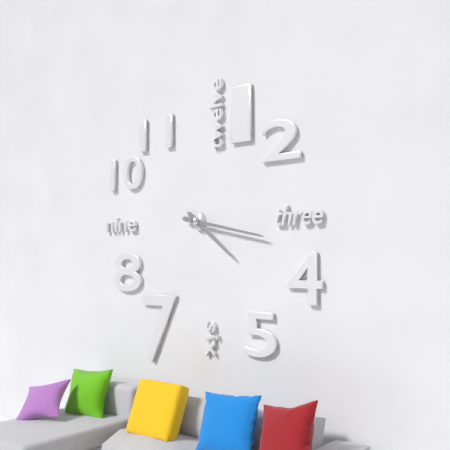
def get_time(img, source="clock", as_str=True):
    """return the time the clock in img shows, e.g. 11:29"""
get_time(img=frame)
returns 4:17
